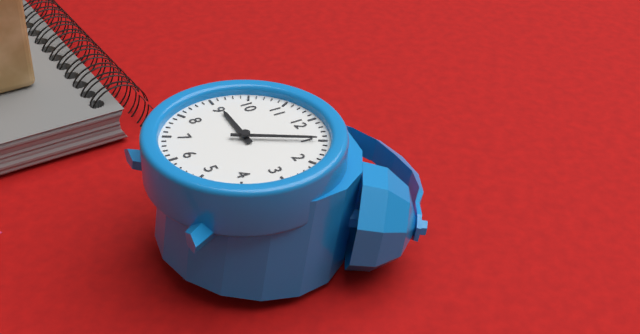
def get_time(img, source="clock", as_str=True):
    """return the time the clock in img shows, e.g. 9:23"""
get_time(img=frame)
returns 9:05
